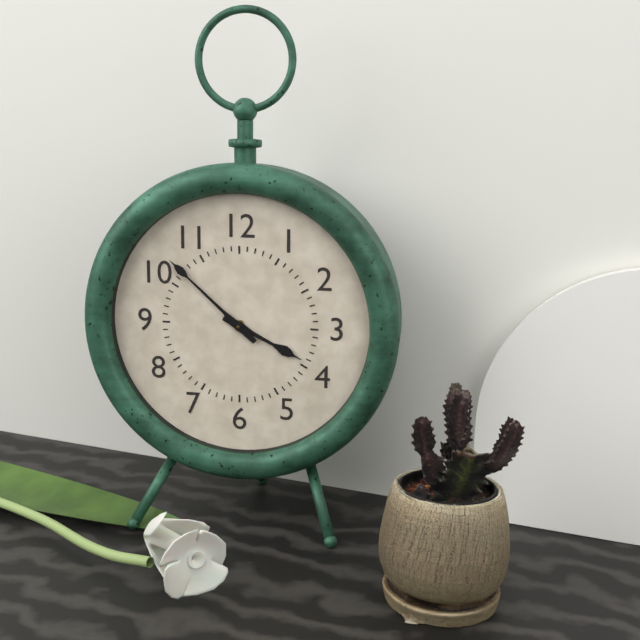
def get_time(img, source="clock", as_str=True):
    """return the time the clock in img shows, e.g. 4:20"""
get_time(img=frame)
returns 3:52
